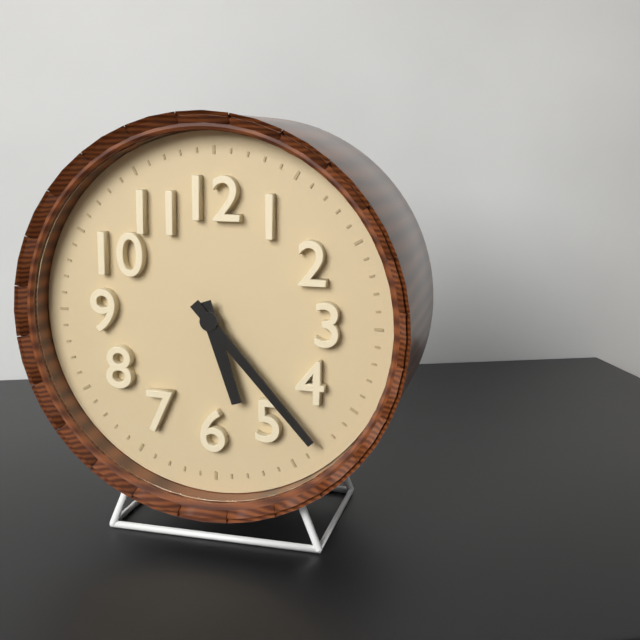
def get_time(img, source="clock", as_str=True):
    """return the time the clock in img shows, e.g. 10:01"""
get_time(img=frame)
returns 5:23
